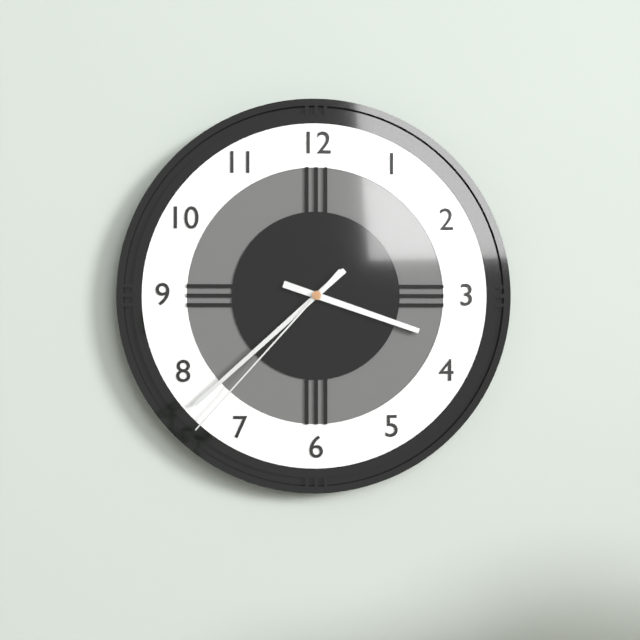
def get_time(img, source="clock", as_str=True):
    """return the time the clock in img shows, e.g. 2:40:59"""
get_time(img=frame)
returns 3:38:37
